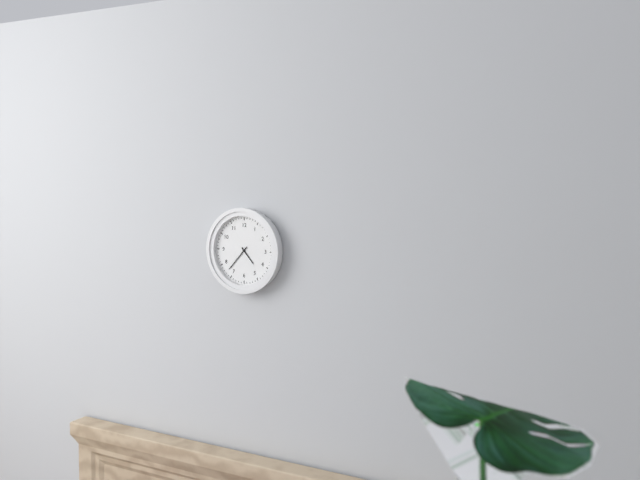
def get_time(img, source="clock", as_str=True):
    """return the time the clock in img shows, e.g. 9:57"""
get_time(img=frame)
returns 4:37
